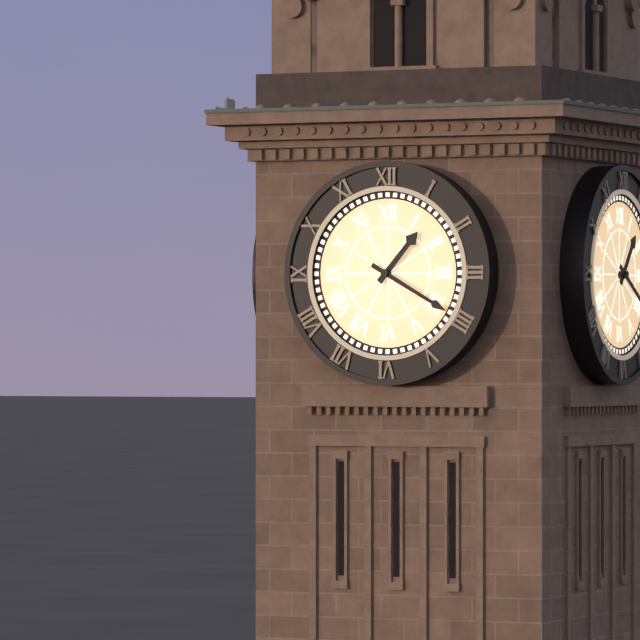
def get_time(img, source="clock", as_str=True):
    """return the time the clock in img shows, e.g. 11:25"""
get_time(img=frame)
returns 1:20
